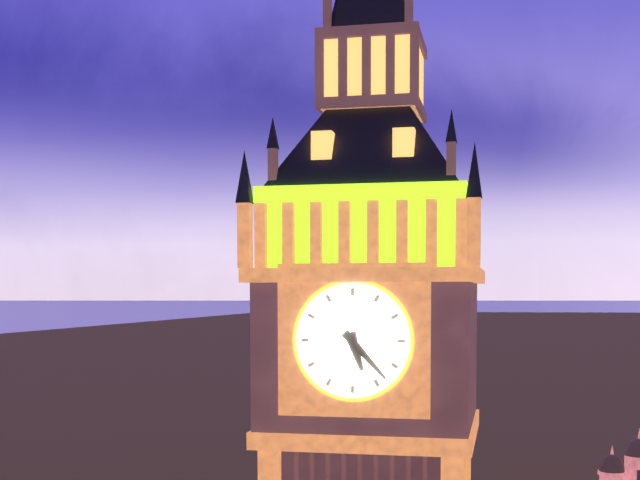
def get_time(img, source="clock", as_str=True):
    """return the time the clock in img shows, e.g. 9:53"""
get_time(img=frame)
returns 5:23
